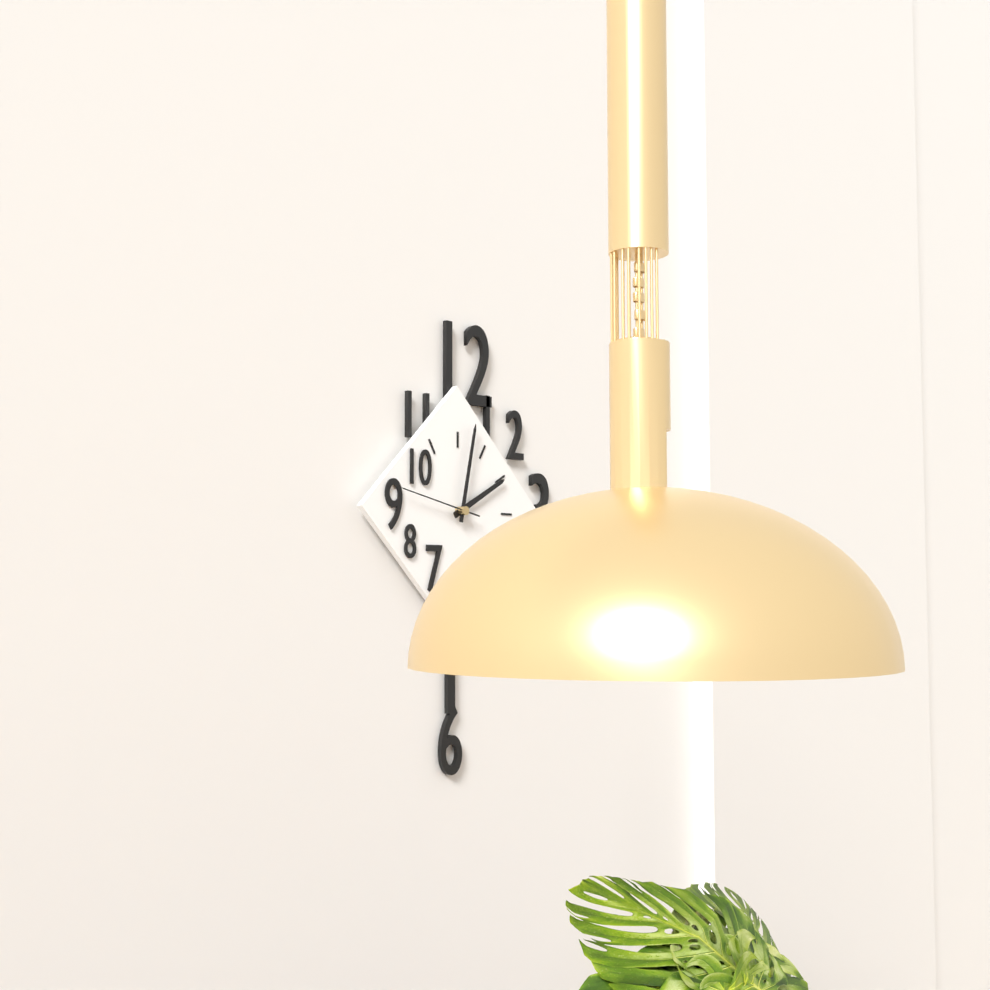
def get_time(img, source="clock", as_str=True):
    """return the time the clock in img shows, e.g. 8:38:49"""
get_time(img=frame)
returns 2:02:47
